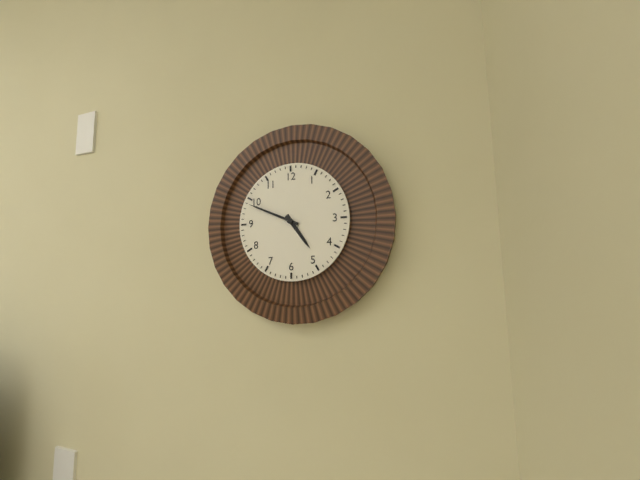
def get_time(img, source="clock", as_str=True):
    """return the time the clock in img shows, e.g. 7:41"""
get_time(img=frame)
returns 4:49
